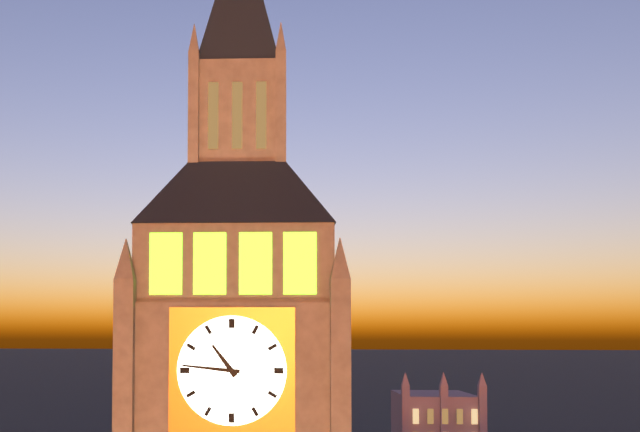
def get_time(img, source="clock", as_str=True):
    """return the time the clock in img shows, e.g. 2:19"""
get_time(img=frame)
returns 10:46
